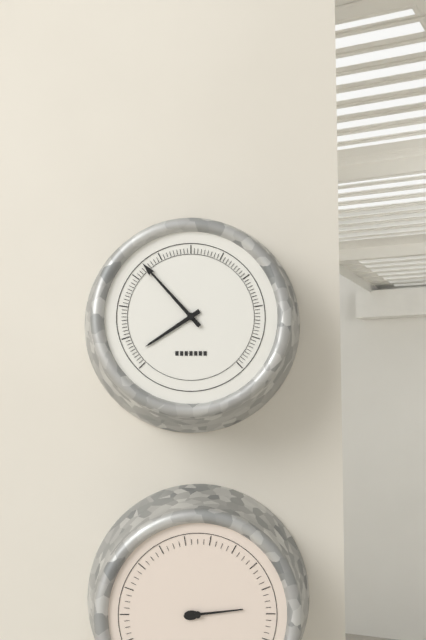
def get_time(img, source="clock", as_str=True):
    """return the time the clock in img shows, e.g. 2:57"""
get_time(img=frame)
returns 7:53
